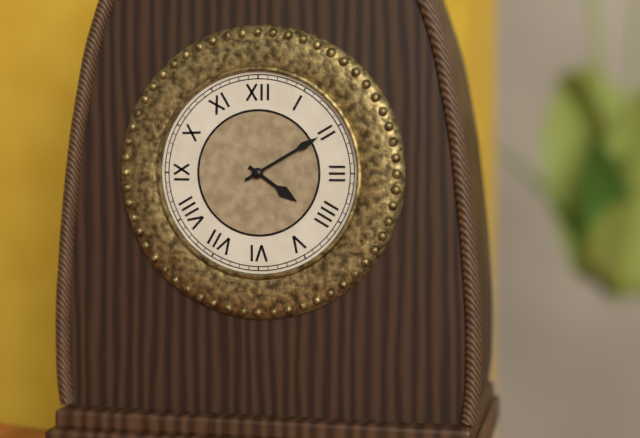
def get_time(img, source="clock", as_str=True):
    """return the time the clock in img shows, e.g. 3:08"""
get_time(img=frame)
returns 4:10
